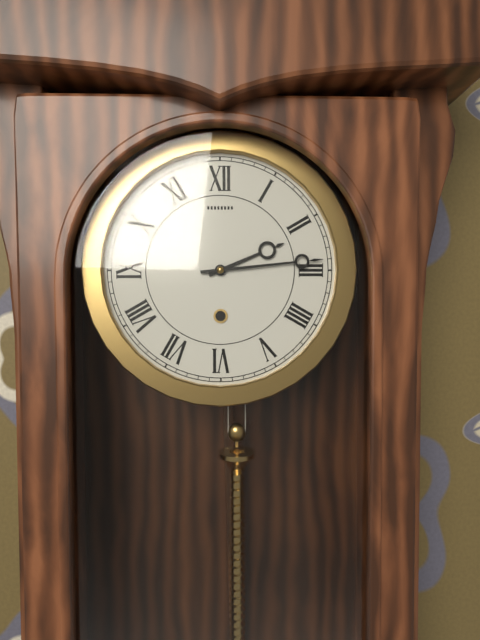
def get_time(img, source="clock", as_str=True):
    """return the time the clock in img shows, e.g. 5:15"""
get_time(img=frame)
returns 2:14
